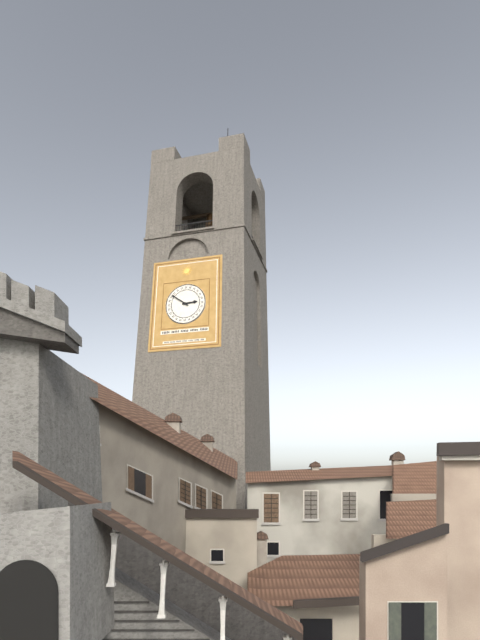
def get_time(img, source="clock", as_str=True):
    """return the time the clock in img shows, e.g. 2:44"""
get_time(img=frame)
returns 2:51
